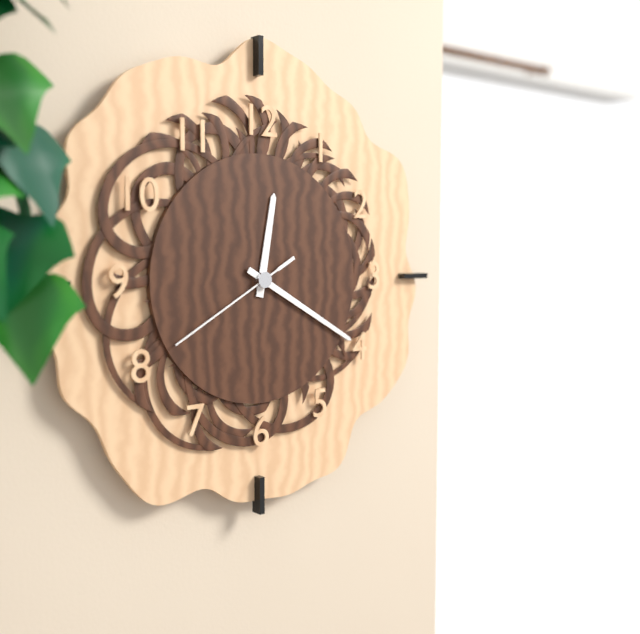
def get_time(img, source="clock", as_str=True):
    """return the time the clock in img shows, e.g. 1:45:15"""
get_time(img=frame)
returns 12:20:40
